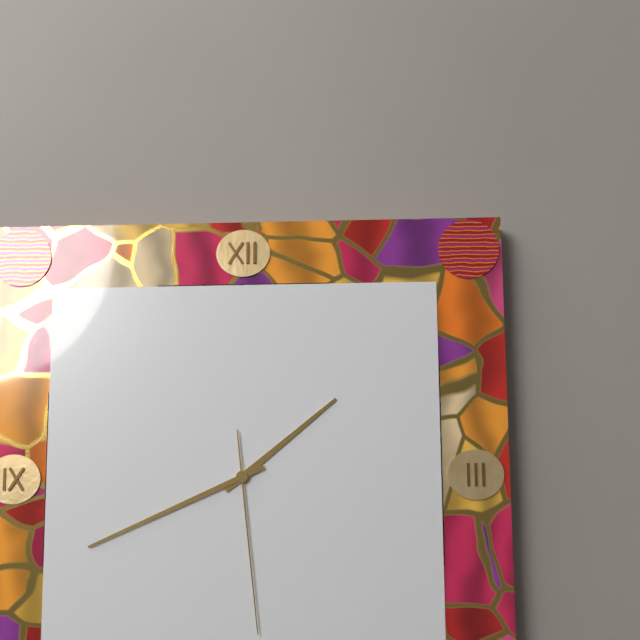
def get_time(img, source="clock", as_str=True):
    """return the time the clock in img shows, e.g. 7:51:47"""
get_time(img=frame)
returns 1:41:29
